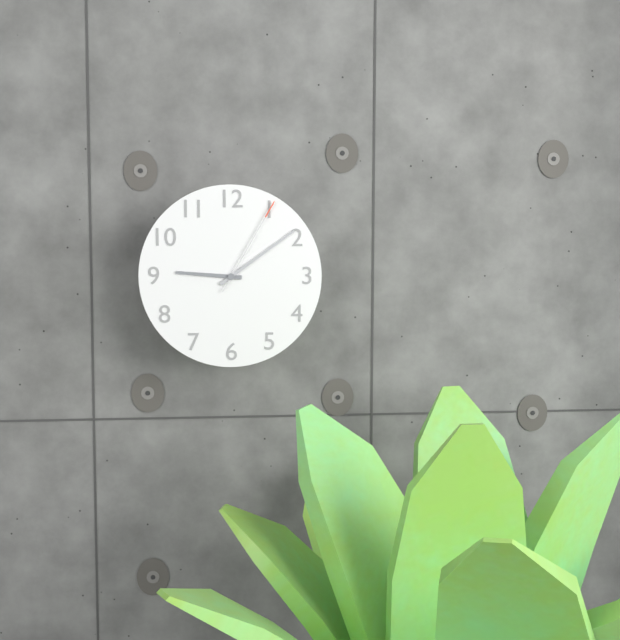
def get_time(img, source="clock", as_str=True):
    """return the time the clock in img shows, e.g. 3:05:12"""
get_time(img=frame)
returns 9:09:05
